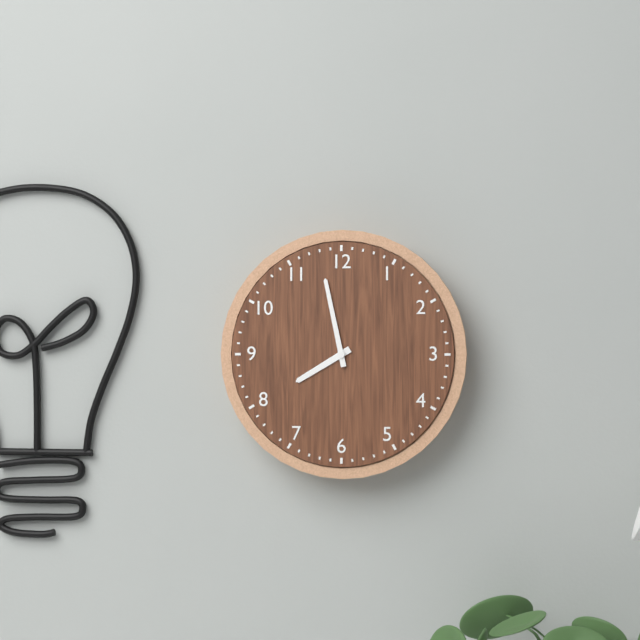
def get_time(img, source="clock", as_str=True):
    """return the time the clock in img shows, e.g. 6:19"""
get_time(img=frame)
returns 7:58
